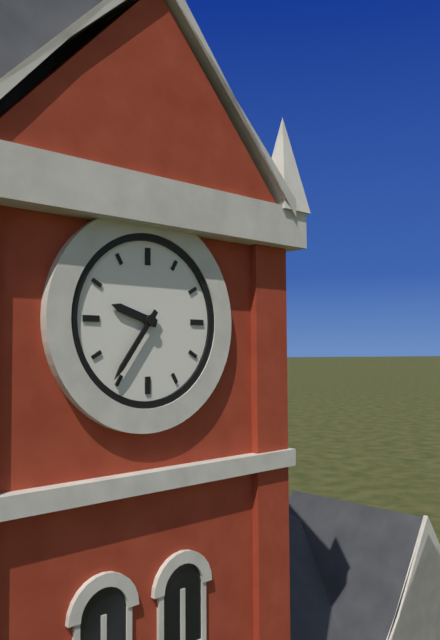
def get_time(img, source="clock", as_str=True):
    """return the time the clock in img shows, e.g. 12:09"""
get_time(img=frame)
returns 9:36
